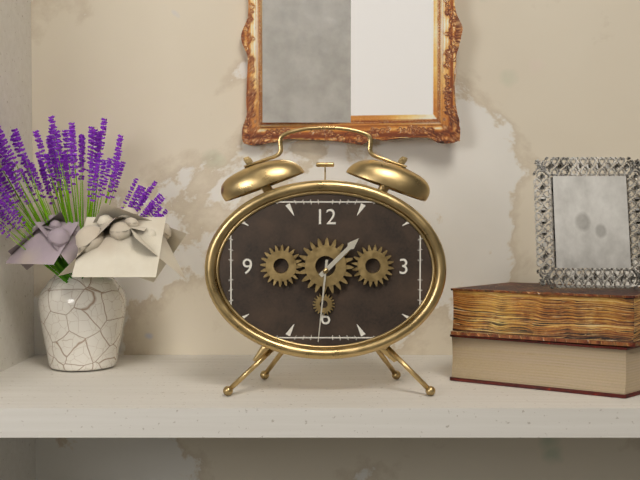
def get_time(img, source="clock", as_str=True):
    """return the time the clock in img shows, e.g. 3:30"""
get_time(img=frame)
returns 1:31
